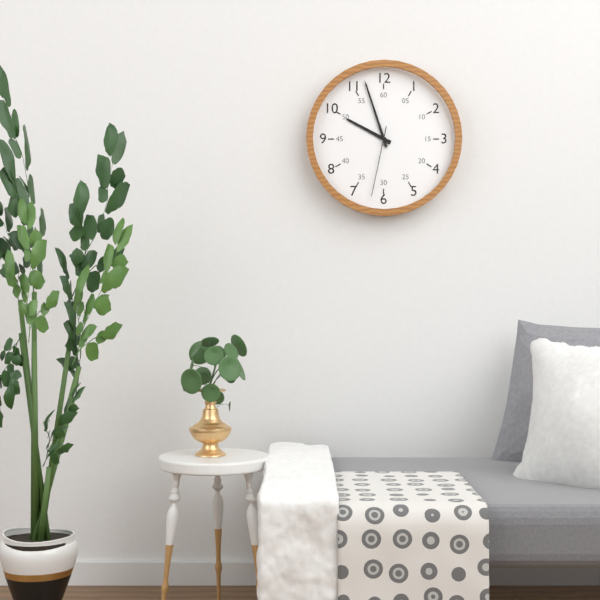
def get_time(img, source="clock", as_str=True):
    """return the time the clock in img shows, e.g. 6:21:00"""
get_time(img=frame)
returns 9:57:32
